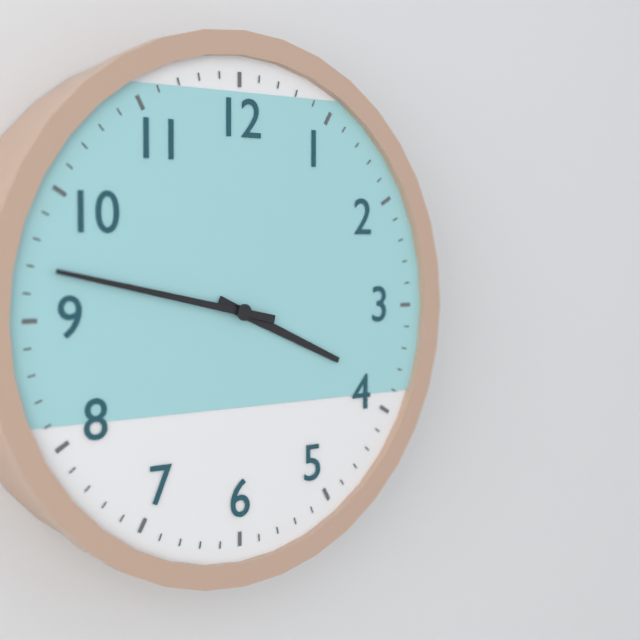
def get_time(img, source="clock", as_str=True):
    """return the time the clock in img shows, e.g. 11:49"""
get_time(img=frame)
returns 3:47
